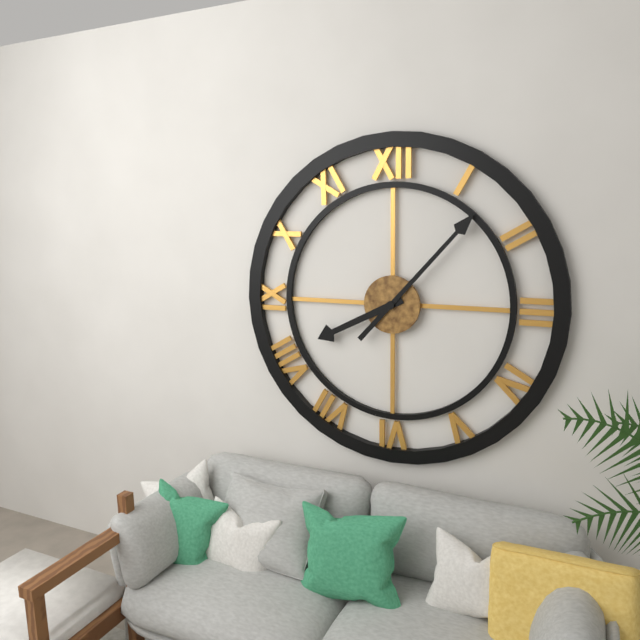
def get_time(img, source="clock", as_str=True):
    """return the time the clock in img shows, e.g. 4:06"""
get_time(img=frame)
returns 8:07
